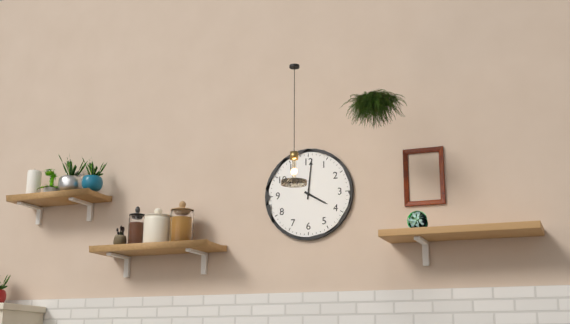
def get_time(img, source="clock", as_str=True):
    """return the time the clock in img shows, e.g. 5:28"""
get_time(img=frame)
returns 4:01
